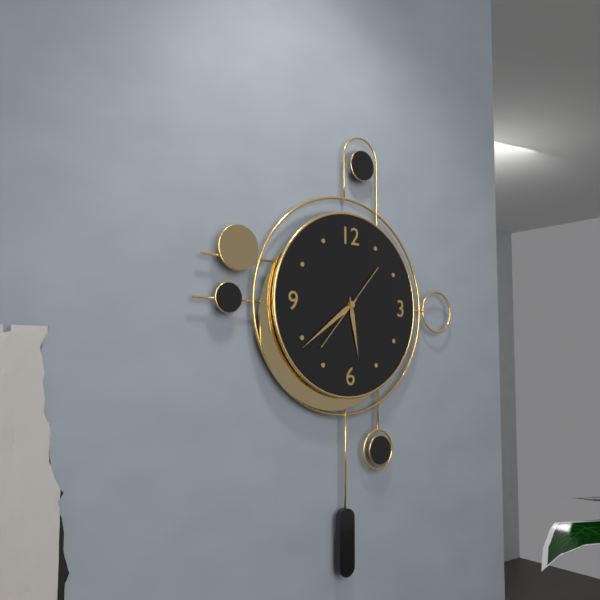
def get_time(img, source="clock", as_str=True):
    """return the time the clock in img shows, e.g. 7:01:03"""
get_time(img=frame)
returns 5:39:37
